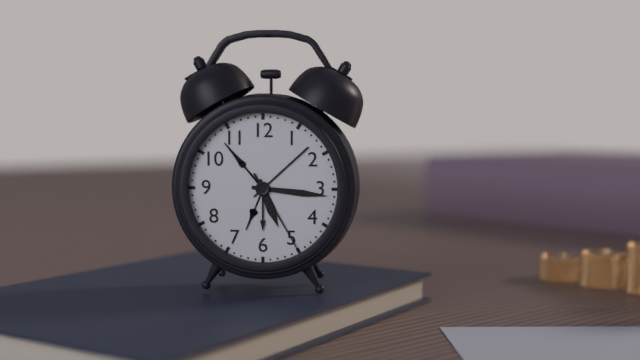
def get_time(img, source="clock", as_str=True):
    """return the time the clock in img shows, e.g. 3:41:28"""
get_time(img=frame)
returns 5:16:25
